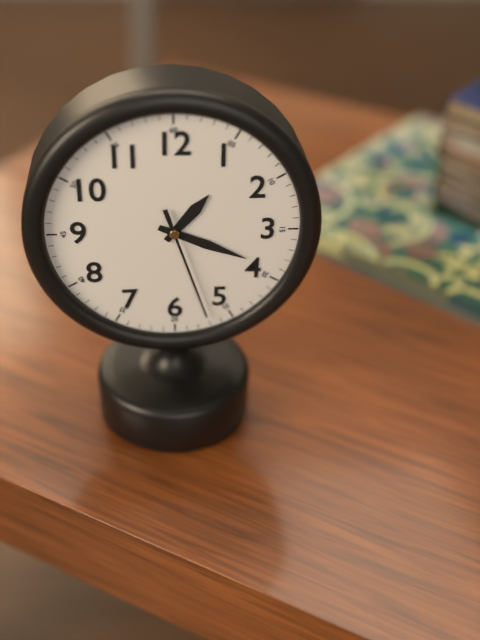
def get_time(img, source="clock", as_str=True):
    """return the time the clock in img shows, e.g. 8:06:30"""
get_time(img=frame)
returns 1:19:27
